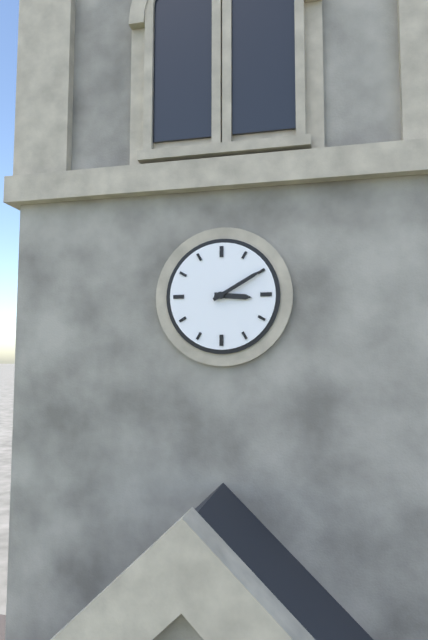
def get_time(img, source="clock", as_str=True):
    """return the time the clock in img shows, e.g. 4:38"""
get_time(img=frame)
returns 3:10
